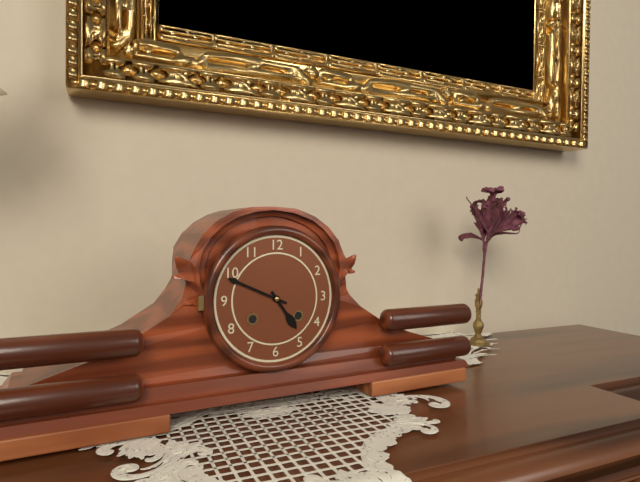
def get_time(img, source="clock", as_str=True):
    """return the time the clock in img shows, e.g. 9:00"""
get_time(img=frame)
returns 4:49
